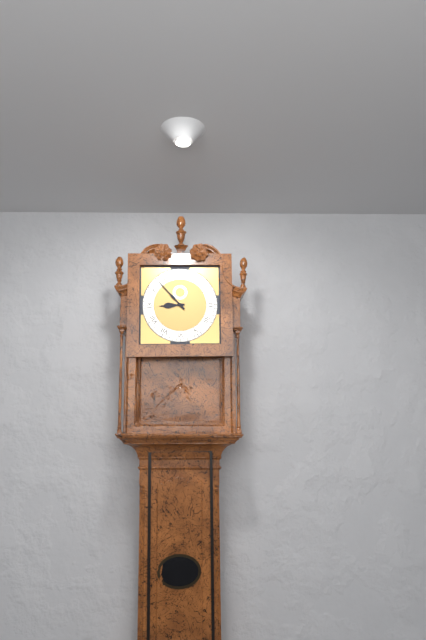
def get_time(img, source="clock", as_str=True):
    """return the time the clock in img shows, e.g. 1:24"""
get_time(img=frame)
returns 8:53
